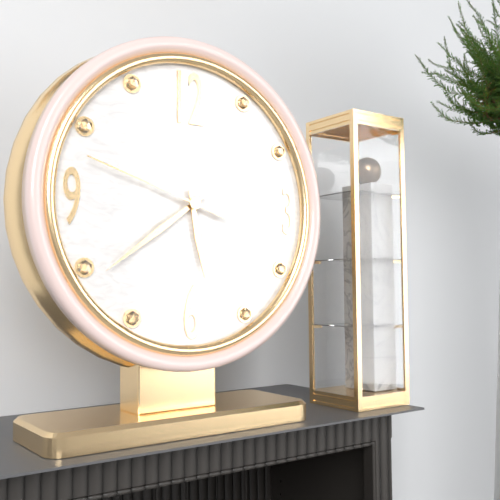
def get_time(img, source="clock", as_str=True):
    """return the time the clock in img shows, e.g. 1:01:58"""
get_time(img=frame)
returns 5:39:48
